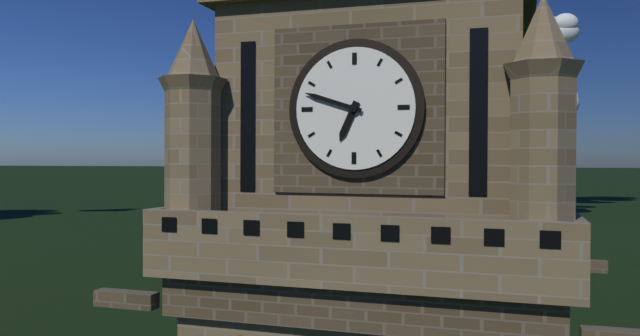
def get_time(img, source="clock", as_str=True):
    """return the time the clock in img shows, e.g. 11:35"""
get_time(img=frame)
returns 6:48
